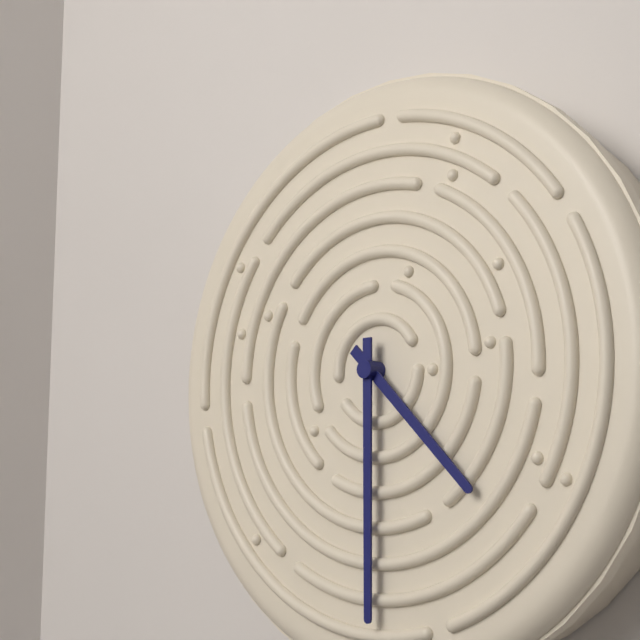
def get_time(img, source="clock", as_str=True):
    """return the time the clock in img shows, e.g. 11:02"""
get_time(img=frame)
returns 4:30
